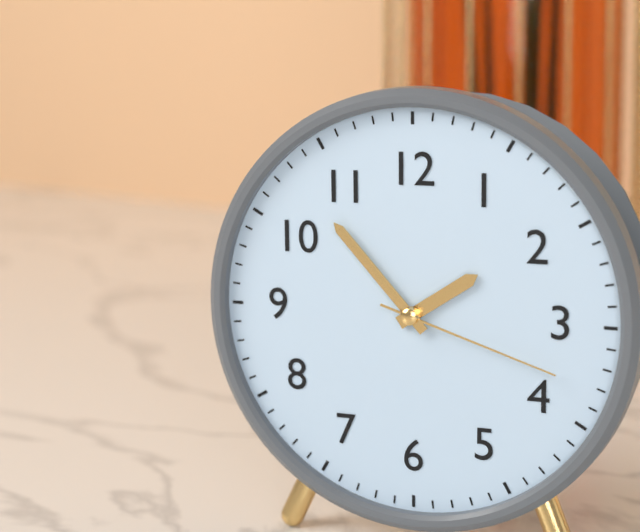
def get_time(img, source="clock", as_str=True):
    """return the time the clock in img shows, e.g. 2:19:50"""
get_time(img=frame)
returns 1:53:18
